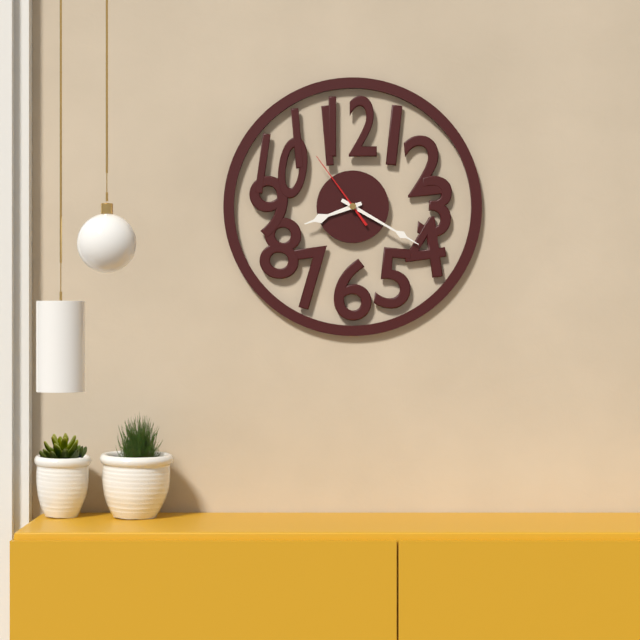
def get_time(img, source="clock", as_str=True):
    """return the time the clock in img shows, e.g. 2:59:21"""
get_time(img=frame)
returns 8:20:54
